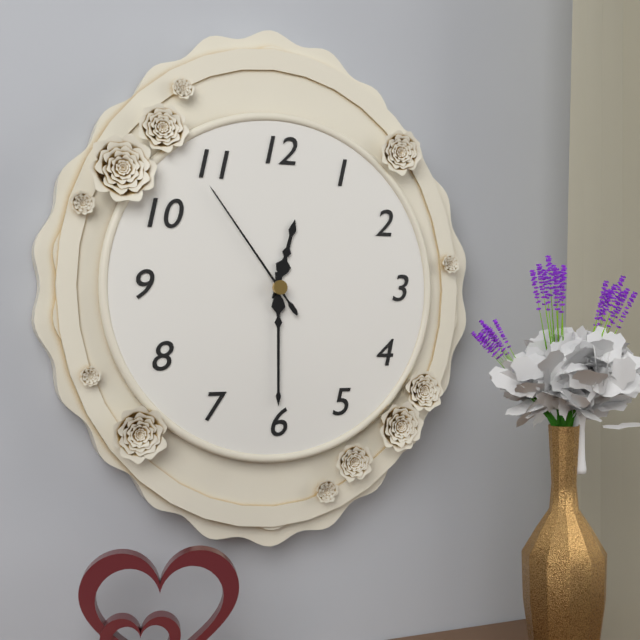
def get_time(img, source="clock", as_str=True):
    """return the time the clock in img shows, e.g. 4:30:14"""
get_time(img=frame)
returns 12:30:54
